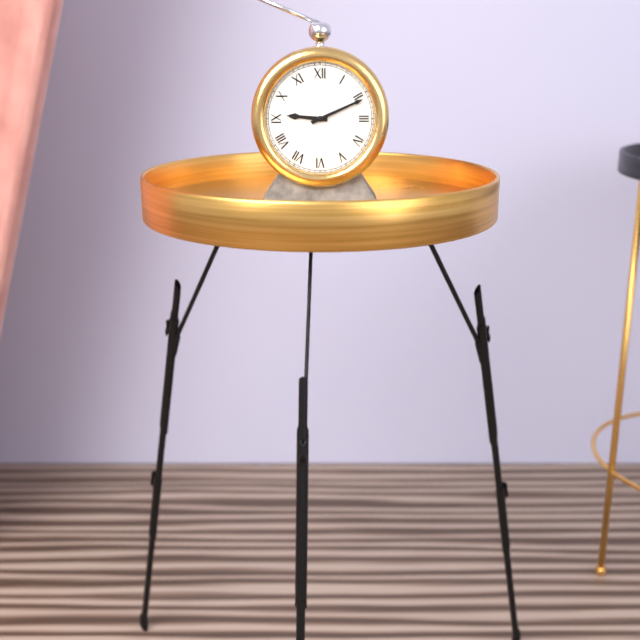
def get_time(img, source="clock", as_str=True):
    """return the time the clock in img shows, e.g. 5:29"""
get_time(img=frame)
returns 9:11
